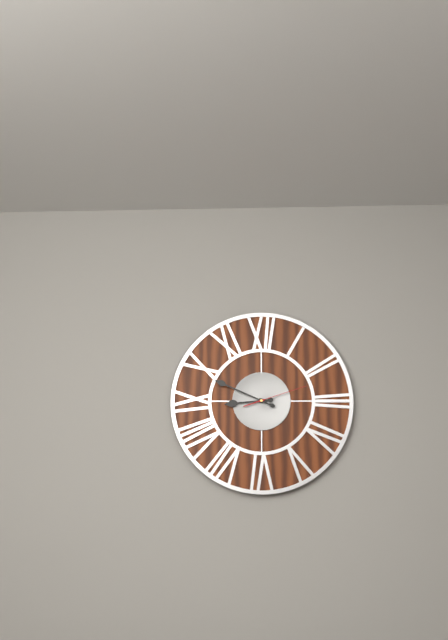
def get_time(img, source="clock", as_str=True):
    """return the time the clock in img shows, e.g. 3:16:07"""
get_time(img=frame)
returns 8:49:12
